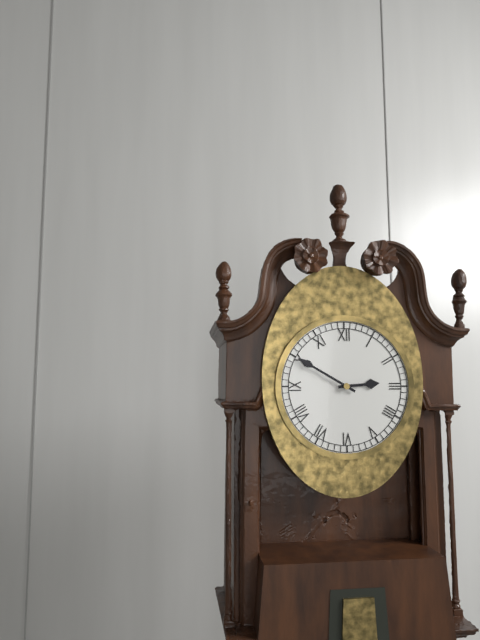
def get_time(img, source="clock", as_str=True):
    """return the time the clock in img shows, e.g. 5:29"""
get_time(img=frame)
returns 2:50
